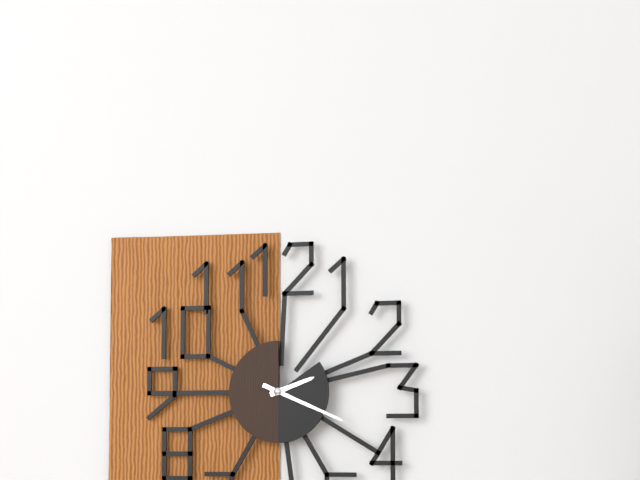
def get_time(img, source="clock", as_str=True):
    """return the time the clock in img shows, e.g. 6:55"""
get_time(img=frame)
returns 2:19
